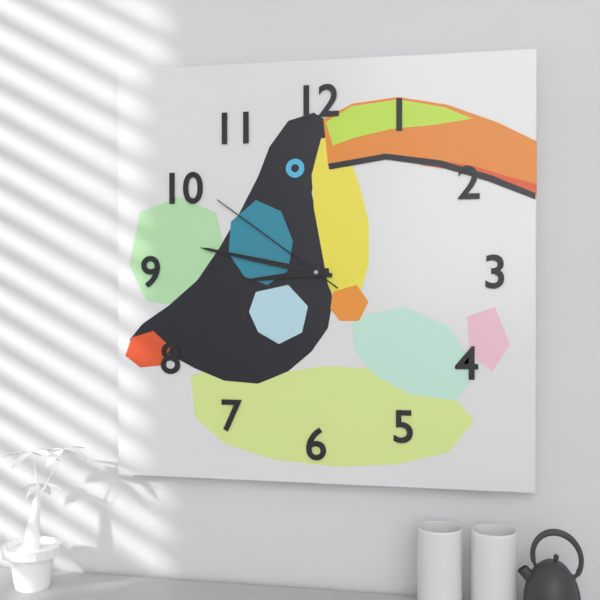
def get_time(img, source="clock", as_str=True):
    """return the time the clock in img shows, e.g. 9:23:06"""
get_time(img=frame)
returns 8:47:51
